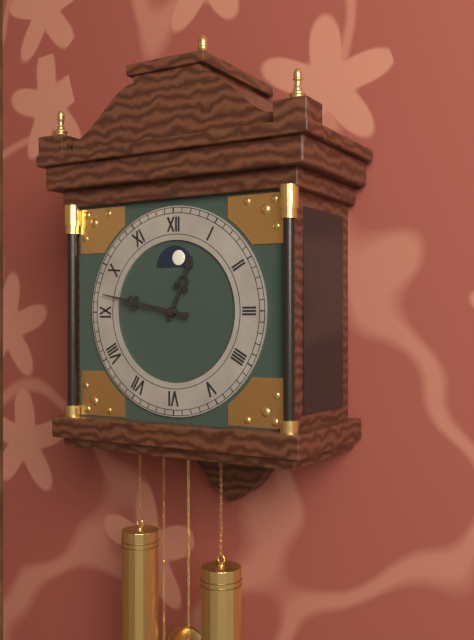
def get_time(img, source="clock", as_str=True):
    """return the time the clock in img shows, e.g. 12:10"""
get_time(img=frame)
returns 12:47
